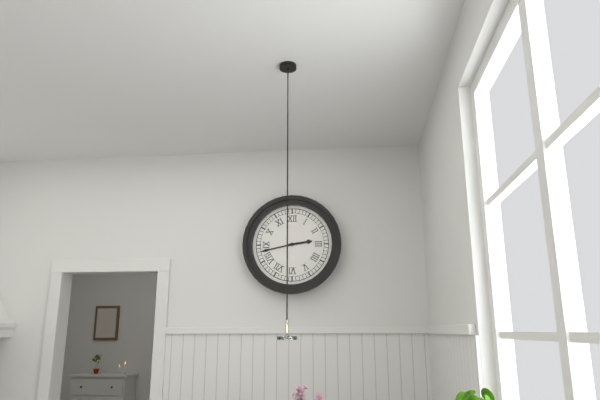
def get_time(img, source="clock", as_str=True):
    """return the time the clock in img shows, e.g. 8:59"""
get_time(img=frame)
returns 2:43
